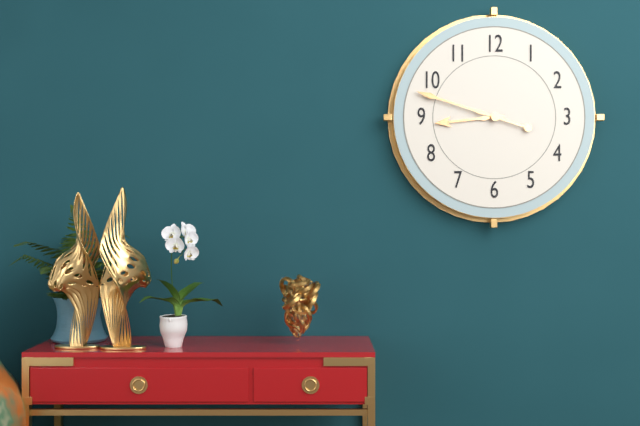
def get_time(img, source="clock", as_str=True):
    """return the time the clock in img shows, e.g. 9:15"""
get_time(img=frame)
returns 8:48
